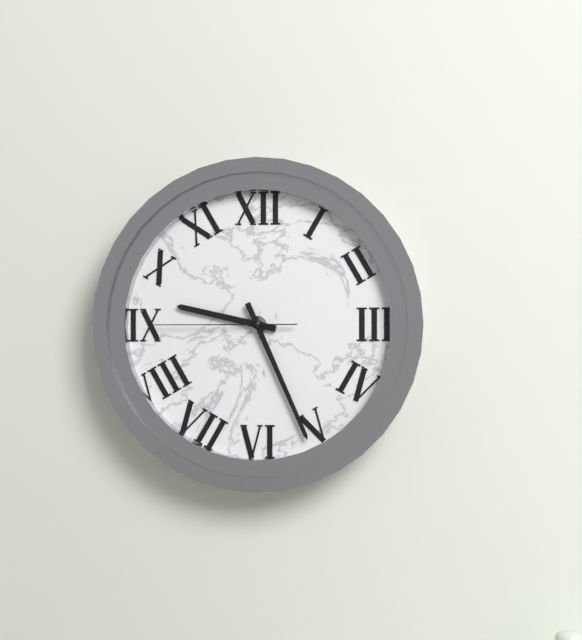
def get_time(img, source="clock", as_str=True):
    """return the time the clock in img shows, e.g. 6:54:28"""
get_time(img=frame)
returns 9:26:45
